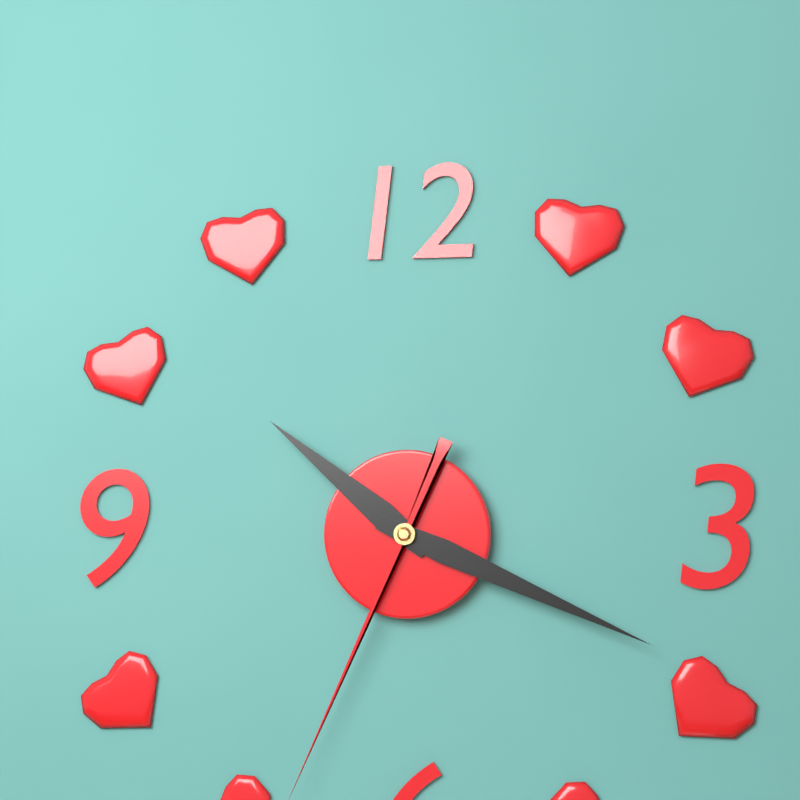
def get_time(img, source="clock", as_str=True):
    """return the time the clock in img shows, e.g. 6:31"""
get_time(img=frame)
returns 10:19
